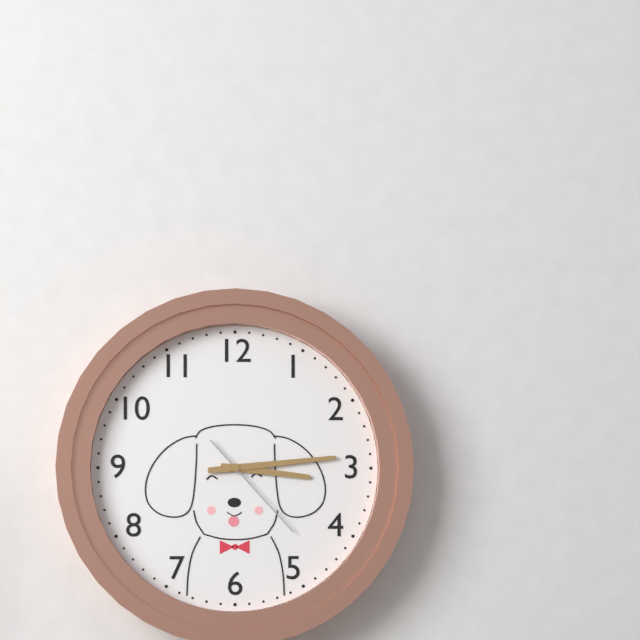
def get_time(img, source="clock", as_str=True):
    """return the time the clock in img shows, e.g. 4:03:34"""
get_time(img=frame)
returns 3:14:23
